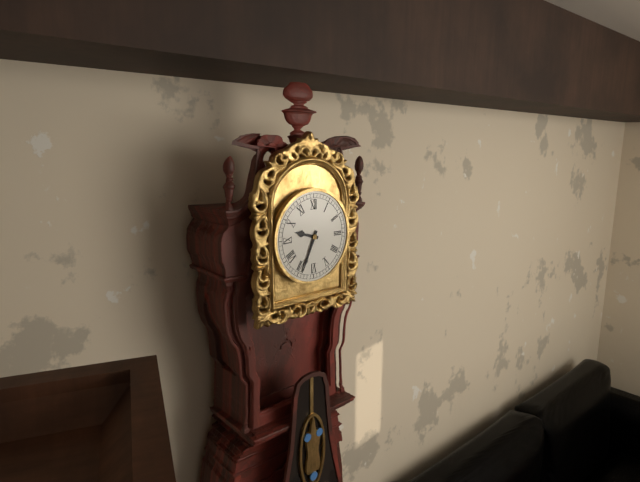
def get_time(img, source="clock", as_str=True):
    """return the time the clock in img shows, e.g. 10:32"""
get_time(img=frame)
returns 9:34
